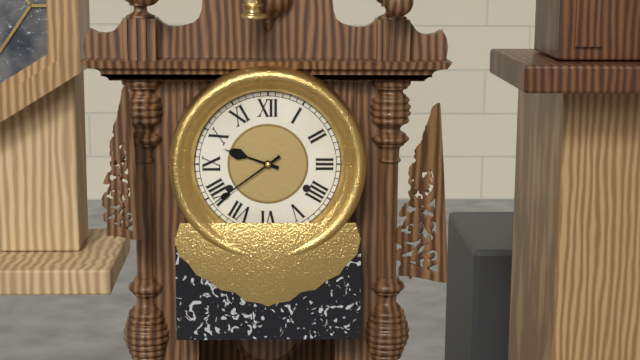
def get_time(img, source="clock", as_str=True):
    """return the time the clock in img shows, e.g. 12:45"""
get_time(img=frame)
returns 9:39
